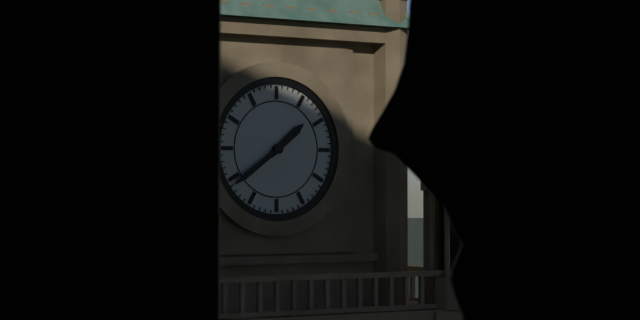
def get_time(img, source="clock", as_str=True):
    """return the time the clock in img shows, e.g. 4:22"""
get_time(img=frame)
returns 1:39
